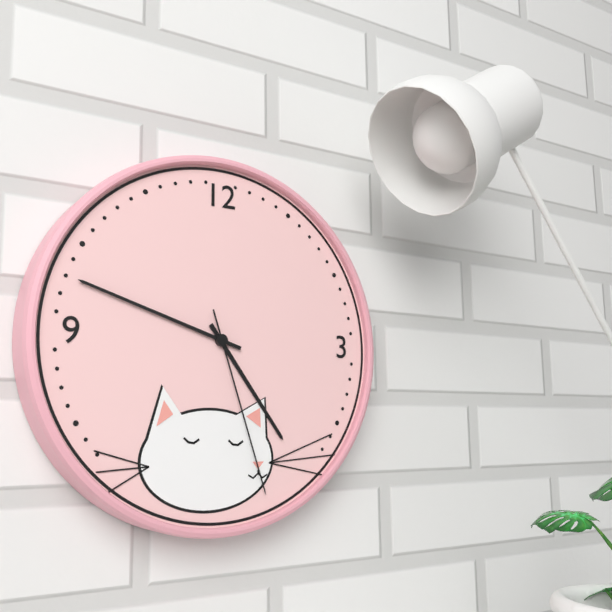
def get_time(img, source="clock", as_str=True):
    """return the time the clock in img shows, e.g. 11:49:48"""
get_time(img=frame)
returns 4:48:27
